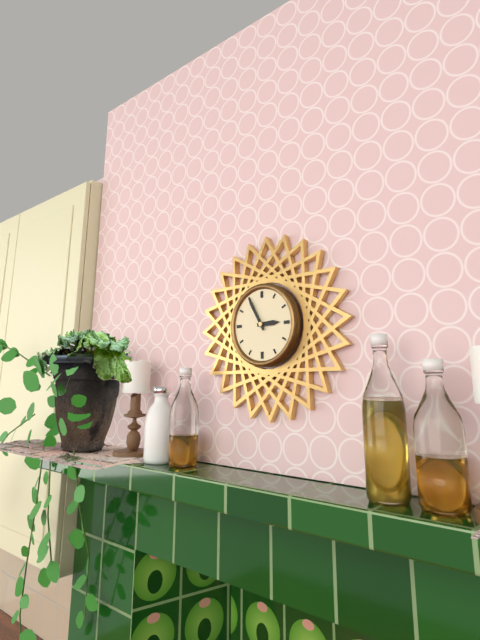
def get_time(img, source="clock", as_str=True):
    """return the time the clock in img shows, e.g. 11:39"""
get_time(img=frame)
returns 2:55
